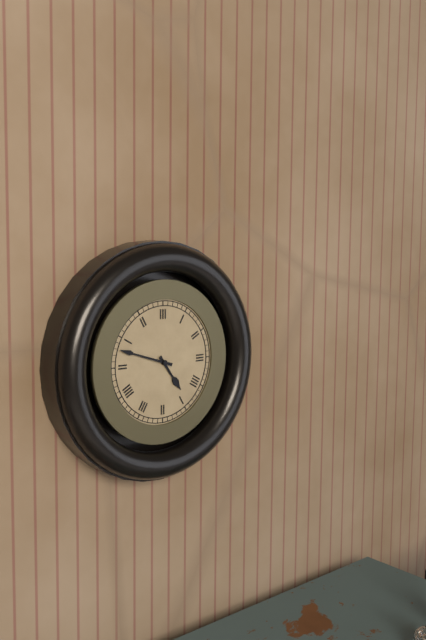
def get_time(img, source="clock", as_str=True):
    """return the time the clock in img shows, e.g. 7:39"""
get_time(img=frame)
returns 4:48
